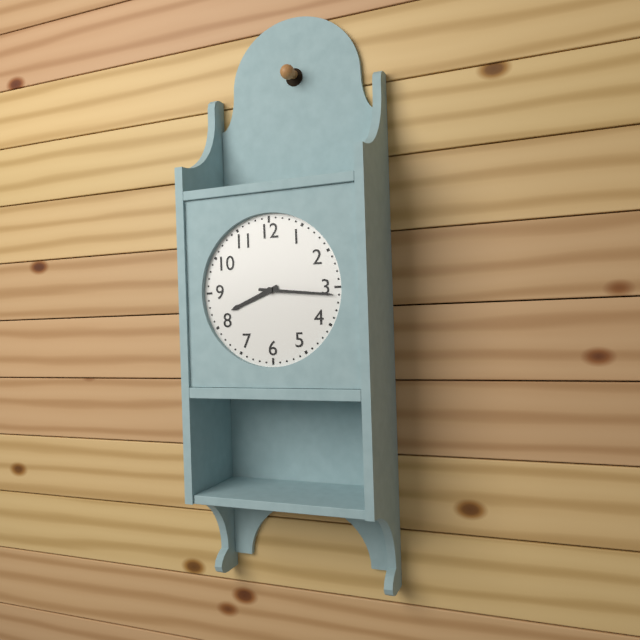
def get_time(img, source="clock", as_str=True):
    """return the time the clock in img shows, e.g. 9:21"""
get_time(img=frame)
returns 8:16
